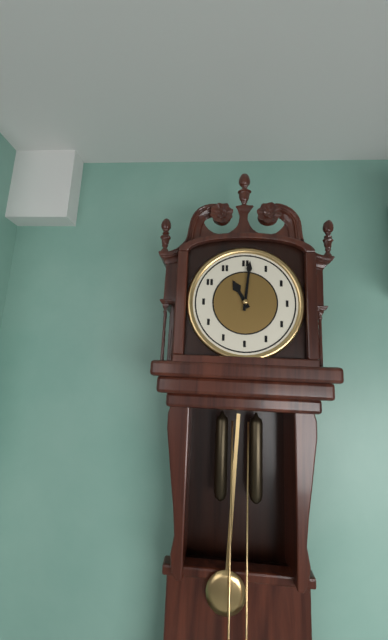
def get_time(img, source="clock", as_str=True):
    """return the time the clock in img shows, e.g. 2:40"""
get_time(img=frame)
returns 11:01
